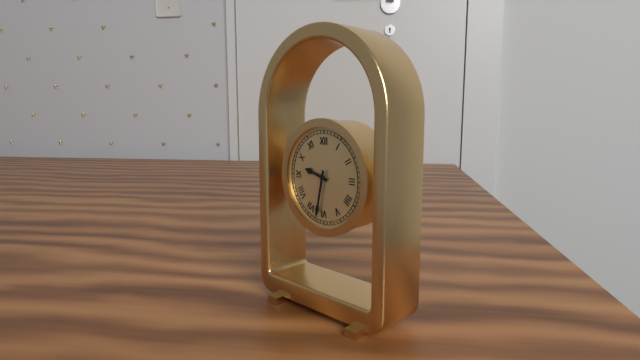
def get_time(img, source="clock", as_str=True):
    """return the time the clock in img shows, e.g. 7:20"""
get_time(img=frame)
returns 9:32
